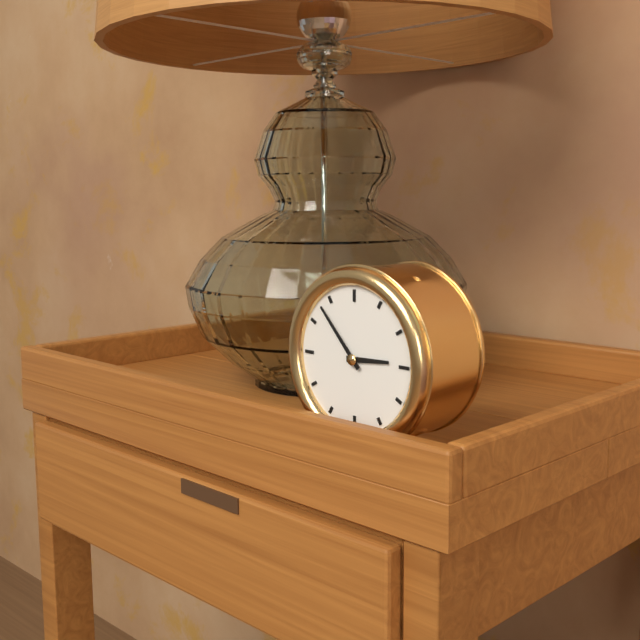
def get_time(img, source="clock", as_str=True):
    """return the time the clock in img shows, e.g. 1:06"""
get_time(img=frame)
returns 2:53
